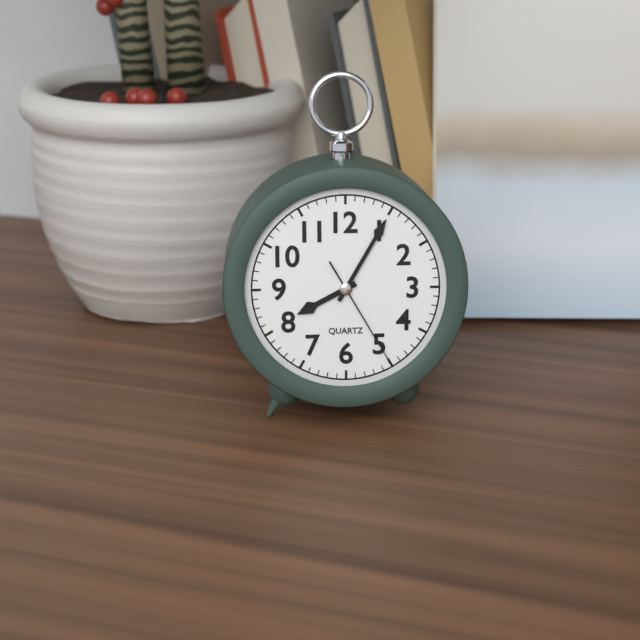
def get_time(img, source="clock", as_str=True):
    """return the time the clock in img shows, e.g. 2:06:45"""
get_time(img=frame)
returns 8:05:25
